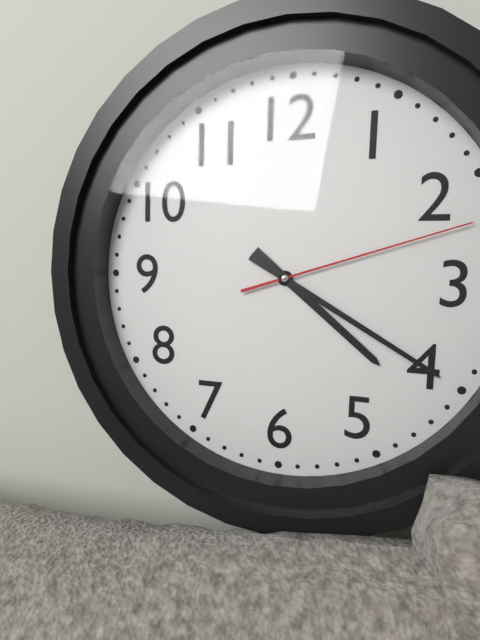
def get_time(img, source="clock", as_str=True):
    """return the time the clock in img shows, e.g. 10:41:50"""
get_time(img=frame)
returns 4:20:12
